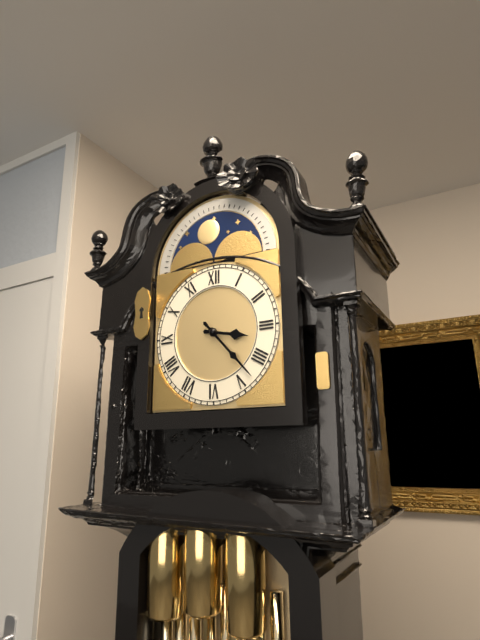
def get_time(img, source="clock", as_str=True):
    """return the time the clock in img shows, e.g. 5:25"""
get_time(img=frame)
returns 3:23
